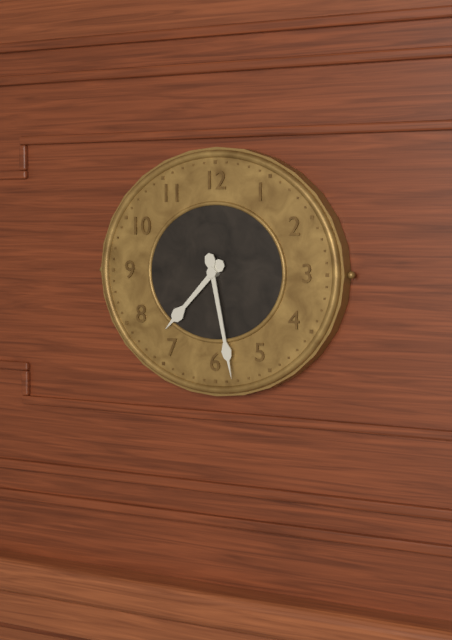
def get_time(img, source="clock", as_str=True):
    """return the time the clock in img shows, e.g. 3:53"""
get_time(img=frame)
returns 7:28
